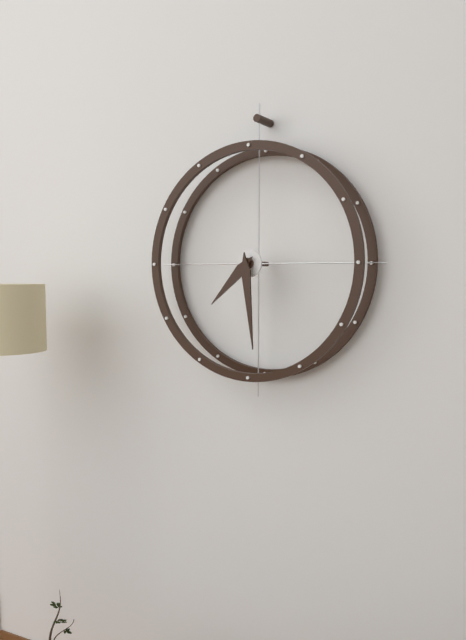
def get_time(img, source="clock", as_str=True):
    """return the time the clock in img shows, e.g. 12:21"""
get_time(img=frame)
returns 7:29
